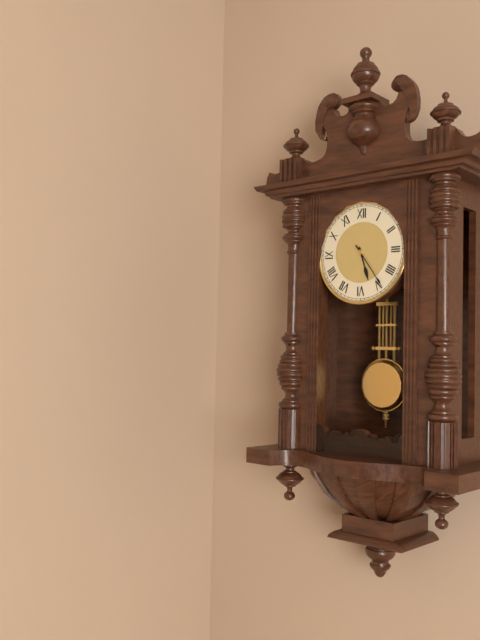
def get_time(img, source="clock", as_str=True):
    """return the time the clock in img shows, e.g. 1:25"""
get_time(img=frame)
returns 5:24
